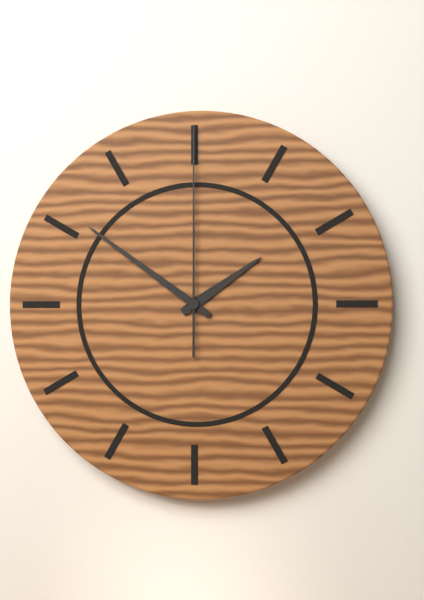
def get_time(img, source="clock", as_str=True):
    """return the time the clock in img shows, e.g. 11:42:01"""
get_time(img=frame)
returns 1:51:00
